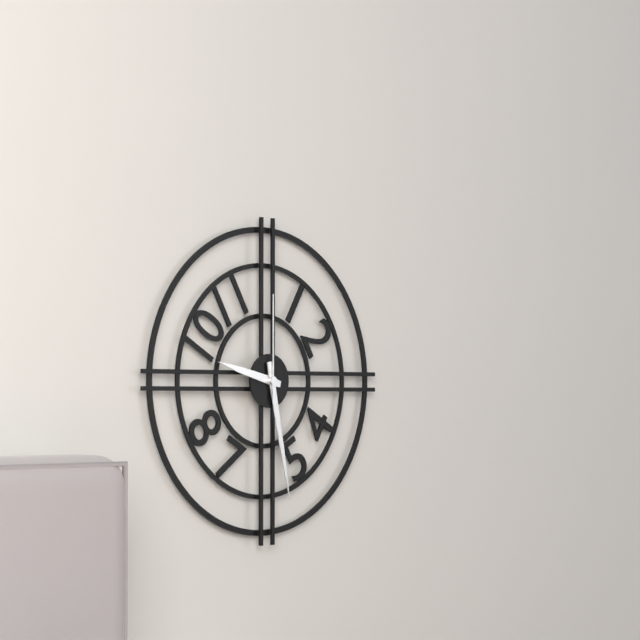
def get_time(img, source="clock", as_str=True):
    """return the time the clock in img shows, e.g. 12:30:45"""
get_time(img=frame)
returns 9:28:00
